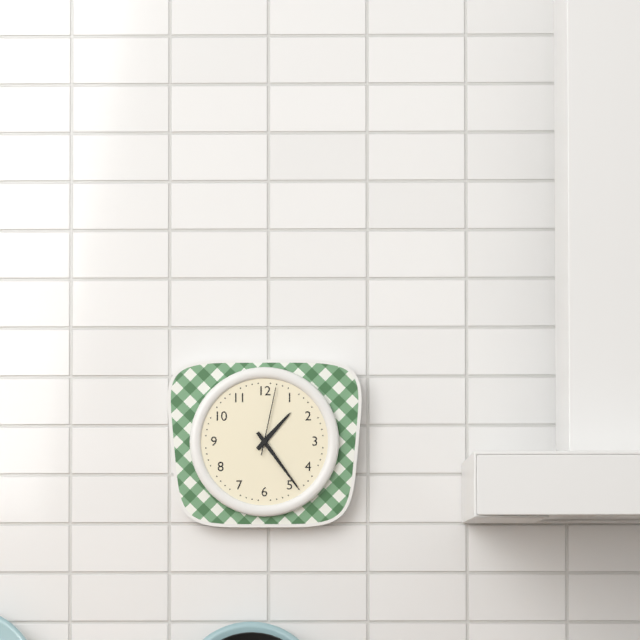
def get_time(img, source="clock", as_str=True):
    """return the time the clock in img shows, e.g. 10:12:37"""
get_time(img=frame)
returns 1:24:02
